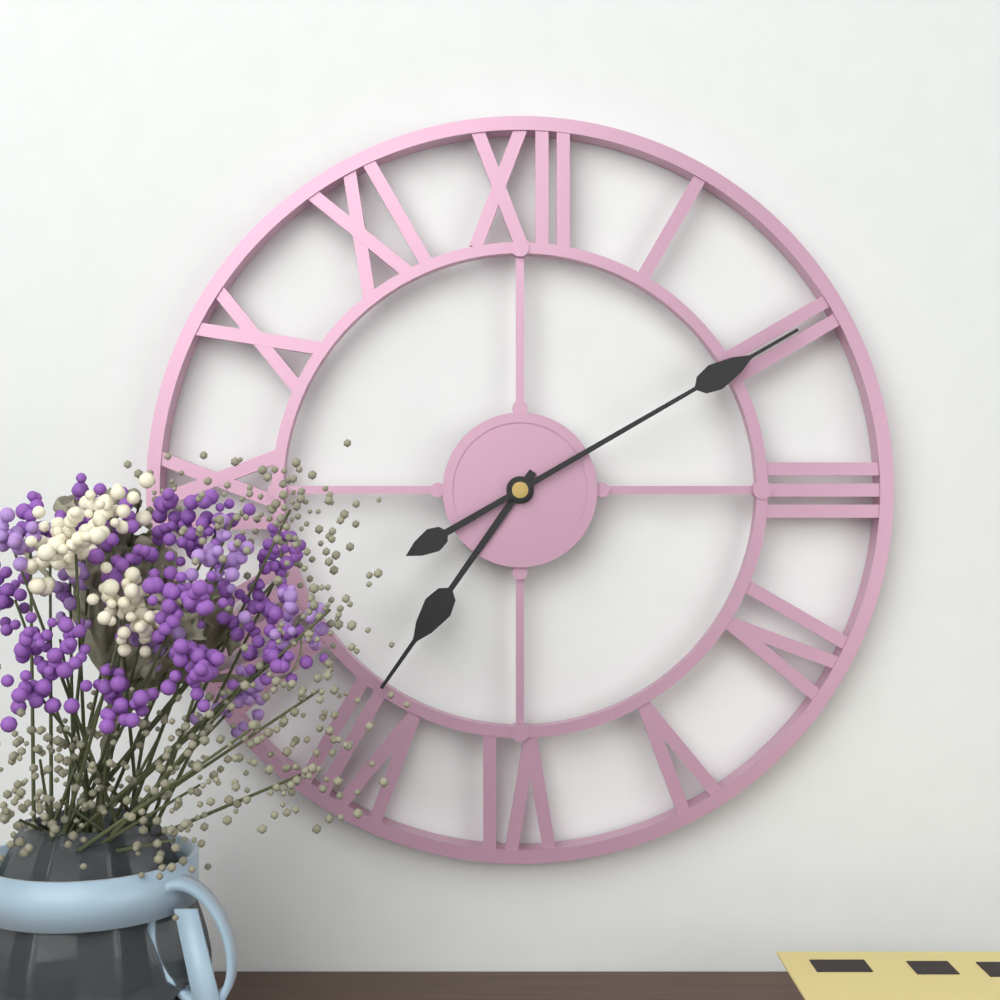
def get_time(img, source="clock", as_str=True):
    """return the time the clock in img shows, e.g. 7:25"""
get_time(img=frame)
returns 7:10
